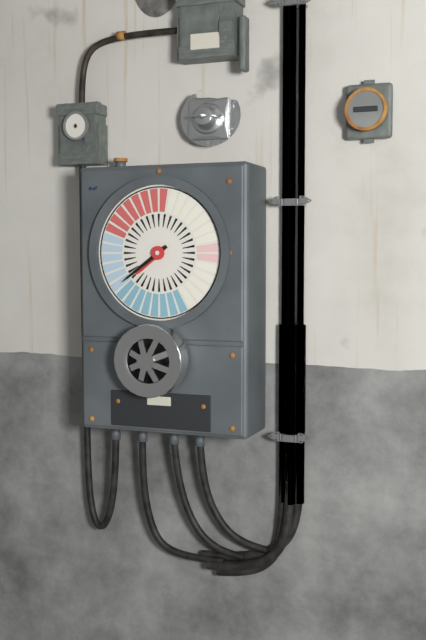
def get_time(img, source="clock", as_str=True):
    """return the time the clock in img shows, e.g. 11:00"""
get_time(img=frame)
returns 7:39
